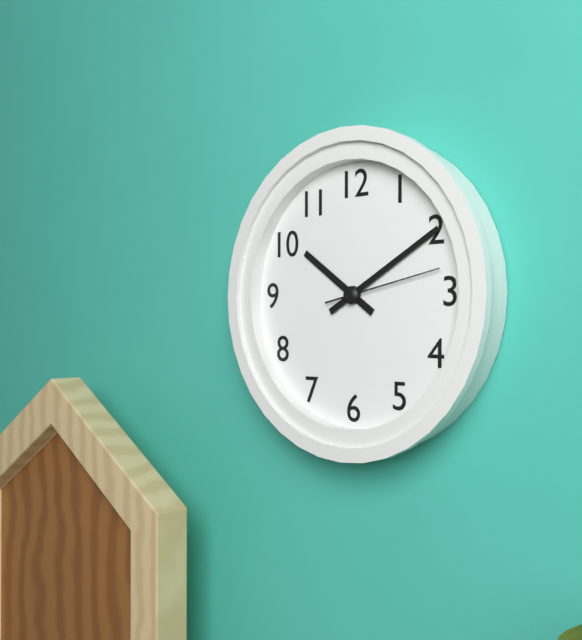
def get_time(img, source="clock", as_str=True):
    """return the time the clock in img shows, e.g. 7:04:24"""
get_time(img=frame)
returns 10:10:13
